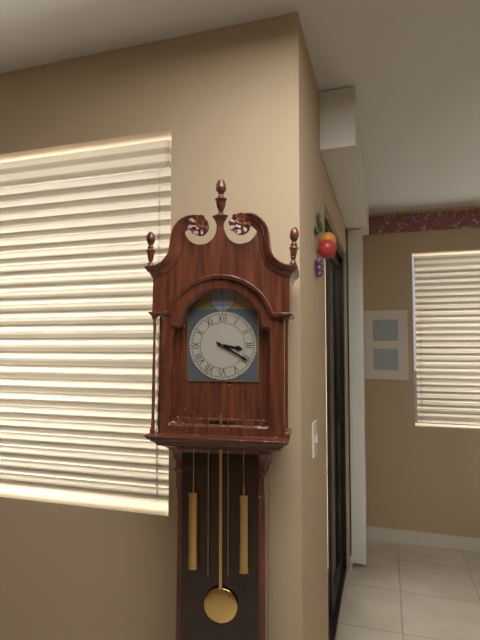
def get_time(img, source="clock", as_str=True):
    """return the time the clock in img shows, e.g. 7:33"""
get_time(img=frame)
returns 3:20
